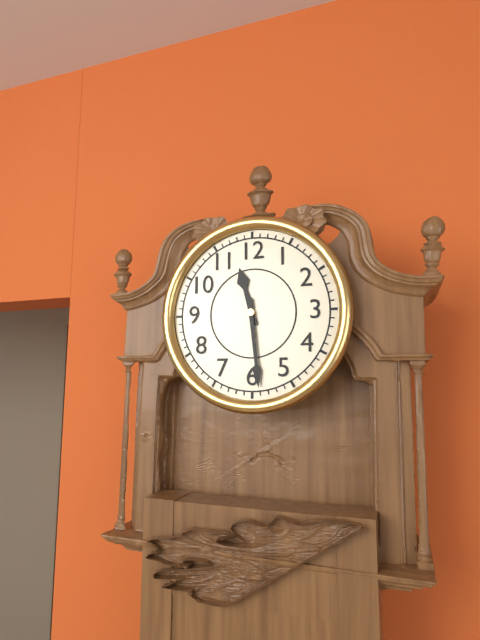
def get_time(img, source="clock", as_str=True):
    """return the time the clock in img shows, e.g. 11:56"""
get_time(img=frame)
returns 11:29
